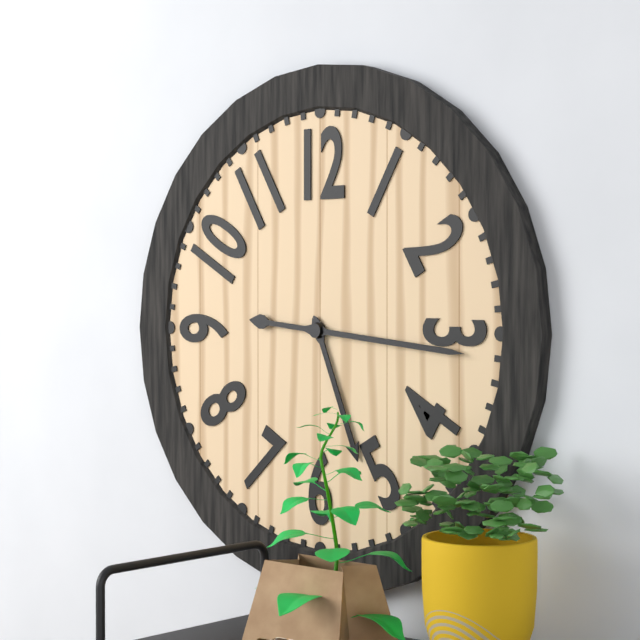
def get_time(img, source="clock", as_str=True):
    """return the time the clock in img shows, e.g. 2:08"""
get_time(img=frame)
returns 5:16
